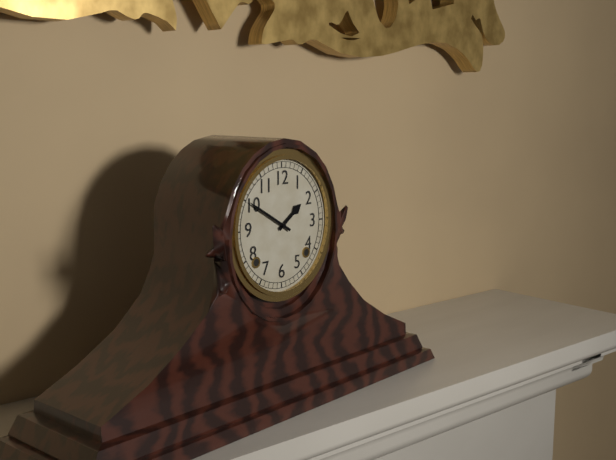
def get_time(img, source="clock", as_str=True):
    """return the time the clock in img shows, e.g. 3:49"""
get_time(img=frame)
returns 1:50
